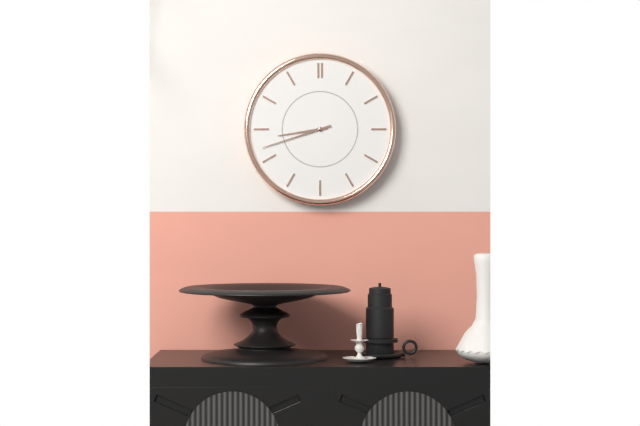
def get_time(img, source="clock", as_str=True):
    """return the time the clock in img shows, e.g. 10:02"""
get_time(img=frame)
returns 8:42
